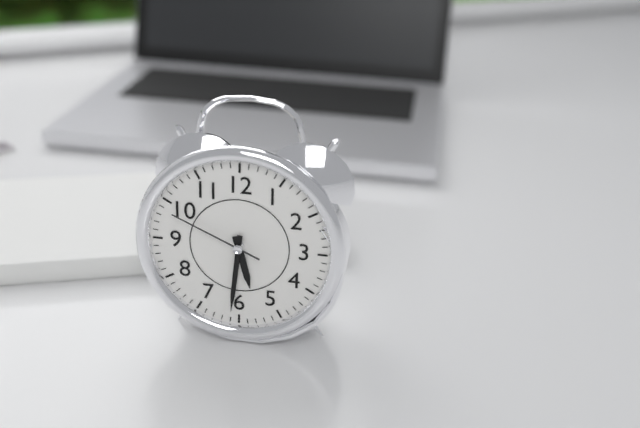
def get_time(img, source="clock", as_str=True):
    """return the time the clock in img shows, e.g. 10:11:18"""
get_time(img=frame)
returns 5:31:49
